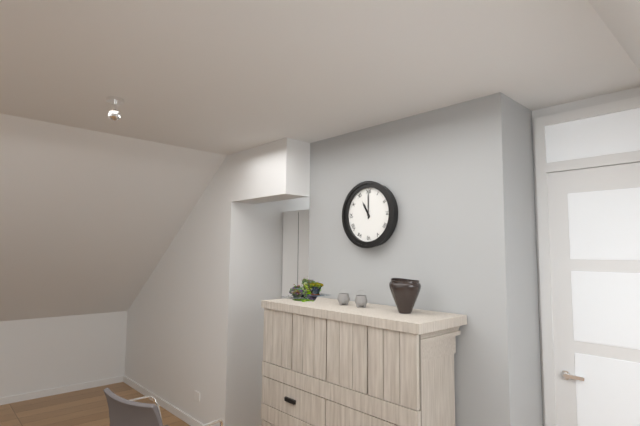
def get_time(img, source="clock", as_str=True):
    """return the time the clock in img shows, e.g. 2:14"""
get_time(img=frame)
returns 11:00
